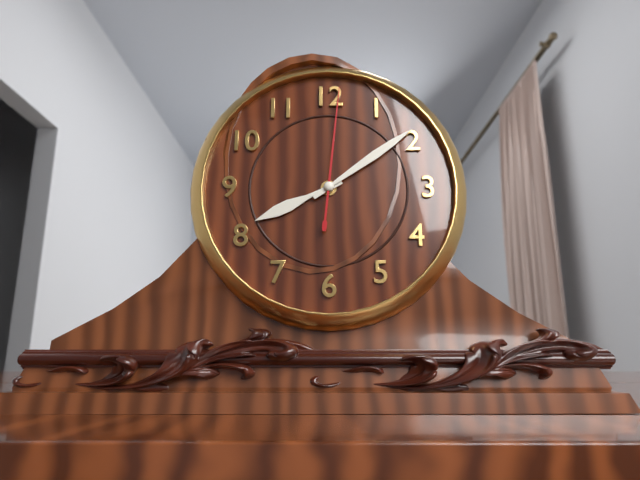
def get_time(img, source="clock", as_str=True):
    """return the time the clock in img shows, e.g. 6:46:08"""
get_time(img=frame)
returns 8:09:01
